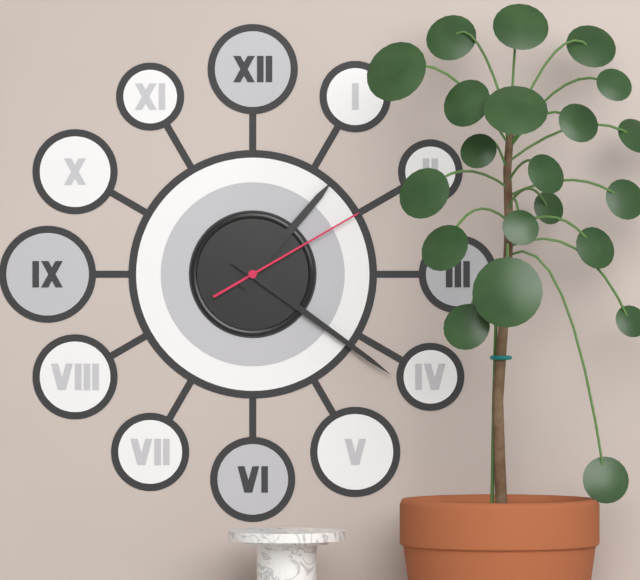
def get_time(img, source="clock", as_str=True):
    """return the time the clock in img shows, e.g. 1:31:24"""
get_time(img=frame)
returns 1:21:10
